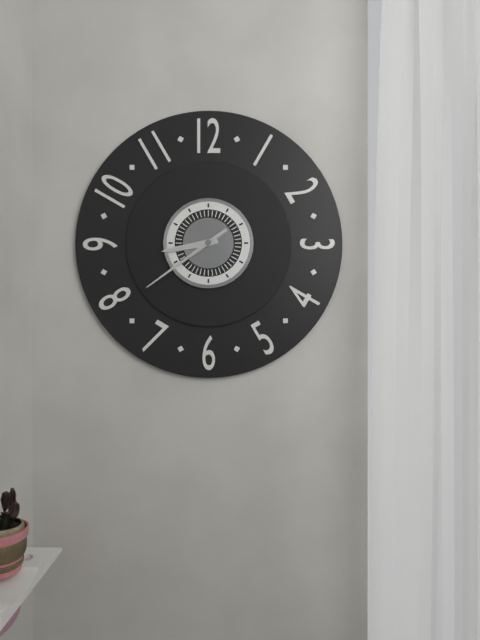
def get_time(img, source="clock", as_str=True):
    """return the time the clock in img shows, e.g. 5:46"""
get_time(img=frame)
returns 8:39
